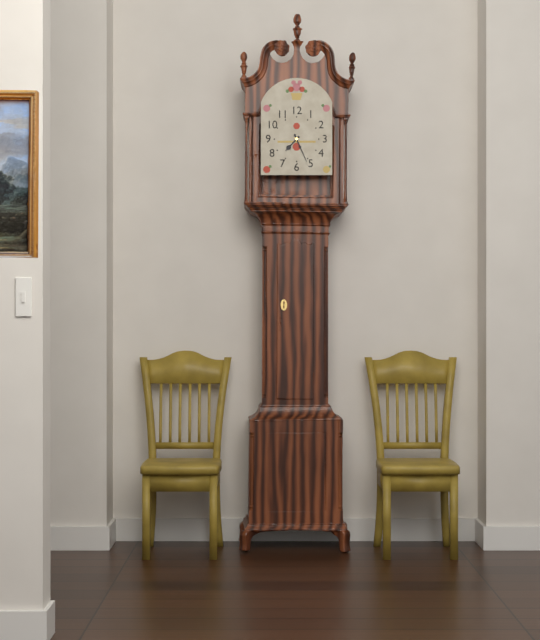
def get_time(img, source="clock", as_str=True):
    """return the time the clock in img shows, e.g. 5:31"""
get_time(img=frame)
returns 7:26
